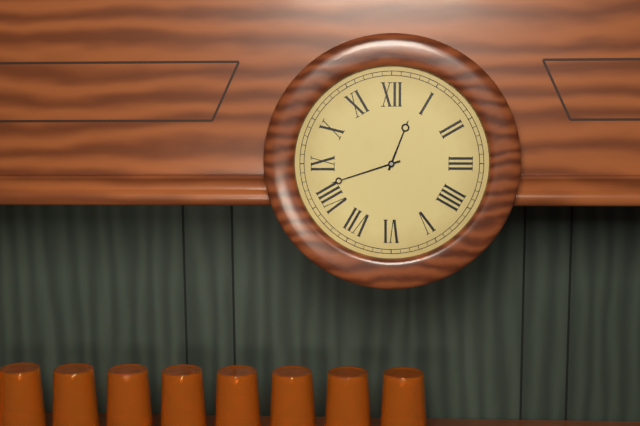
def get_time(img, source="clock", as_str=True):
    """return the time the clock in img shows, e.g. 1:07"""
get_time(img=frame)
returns 12:42
